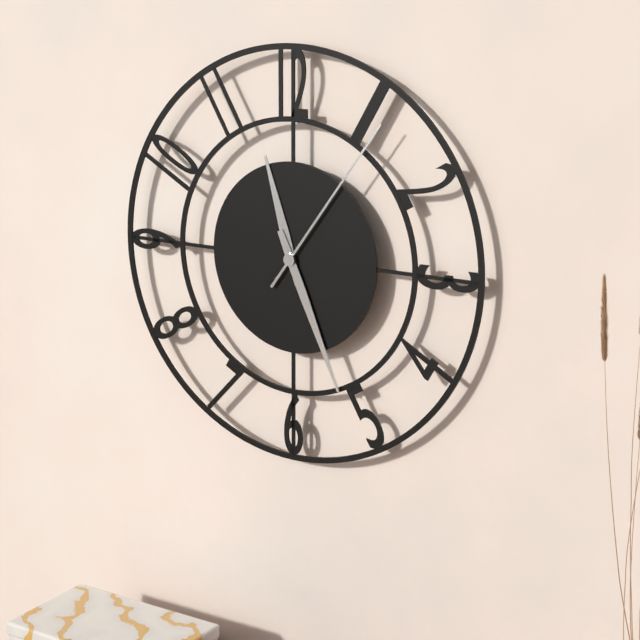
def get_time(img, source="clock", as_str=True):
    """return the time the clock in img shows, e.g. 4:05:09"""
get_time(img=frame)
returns 11:26:06
